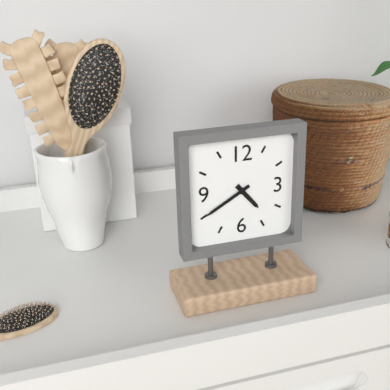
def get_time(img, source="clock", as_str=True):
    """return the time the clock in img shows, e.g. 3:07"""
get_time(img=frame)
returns 4:40
